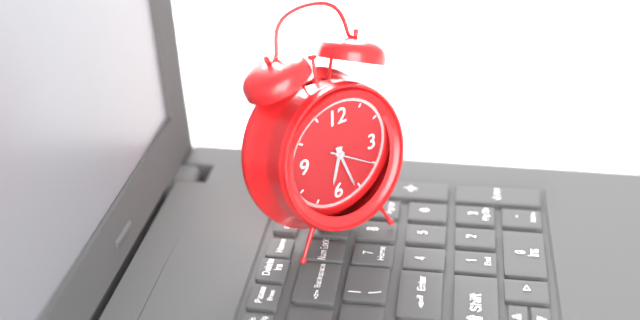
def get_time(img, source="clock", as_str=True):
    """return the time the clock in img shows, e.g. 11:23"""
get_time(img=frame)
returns 6:26
